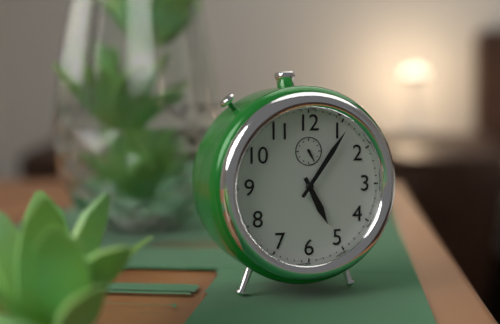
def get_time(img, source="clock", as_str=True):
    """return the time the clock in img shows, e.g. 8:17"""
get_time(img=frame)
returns 5:06
